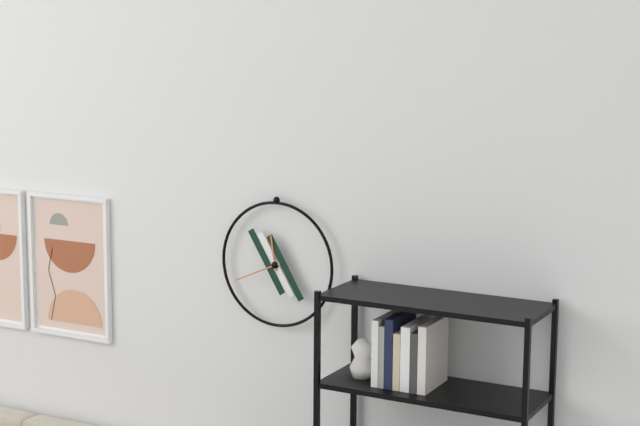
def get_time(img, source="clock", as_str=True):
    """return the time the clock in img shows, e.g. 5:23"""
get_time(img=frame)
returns 11:41
